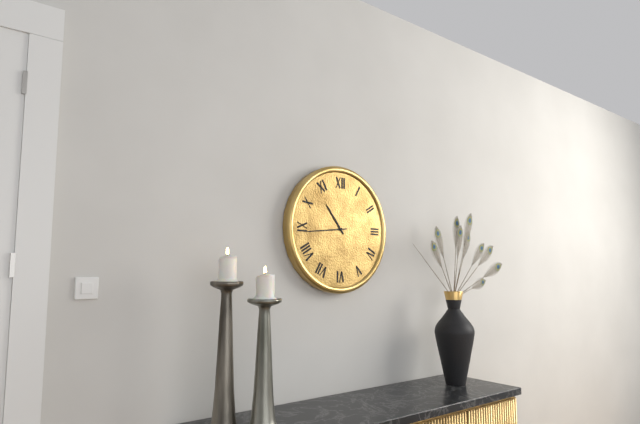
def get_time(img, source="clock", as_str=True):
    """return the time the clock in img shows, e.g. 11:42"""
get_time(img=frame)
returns 10:44
